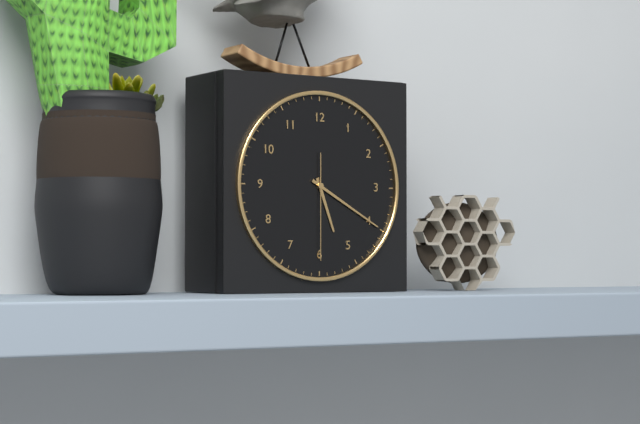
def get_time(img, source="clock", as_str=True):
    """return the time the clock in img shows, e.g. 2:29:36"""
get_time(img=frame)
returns 5:20:30
